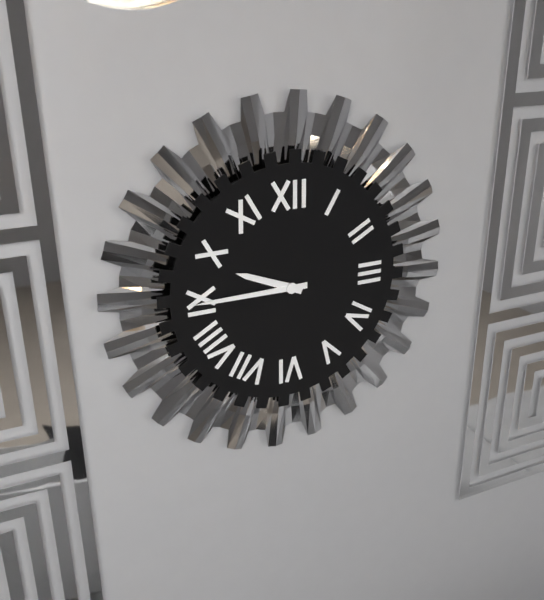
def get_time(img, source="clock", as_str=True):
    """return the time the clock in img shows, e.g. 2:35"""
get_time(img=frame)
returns 9:45
